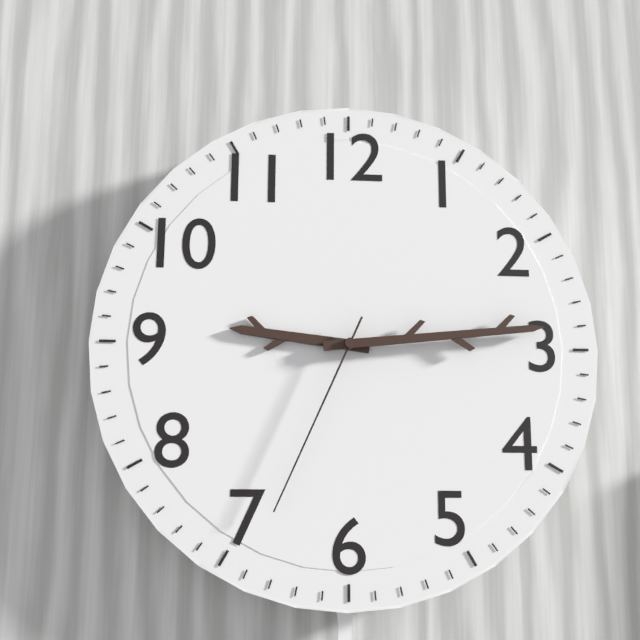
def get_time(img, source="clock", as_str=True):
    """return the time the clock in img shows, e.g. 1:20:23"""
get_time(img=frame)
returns 9:14:34
